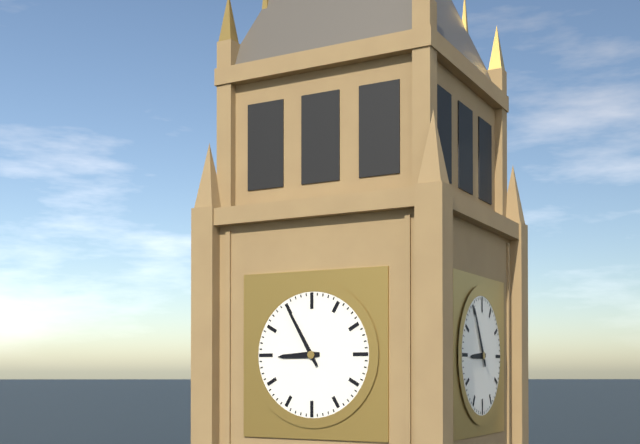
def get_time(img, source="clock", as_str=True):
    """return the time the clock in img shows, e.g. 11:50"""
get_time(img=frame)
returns 8:55
